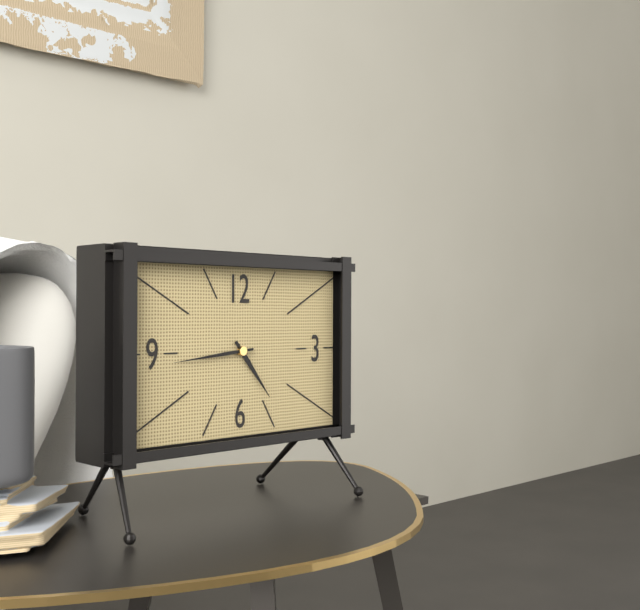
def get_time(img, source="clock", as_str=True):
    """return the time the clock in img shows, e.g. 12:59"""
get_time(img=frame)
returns 4:44
